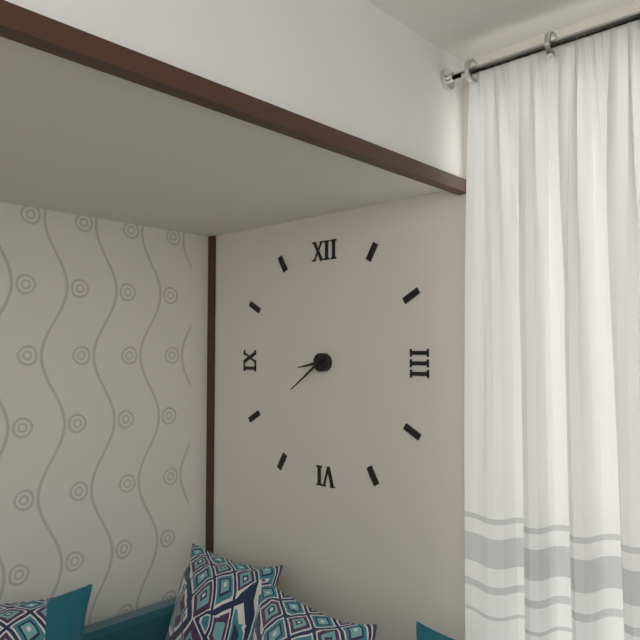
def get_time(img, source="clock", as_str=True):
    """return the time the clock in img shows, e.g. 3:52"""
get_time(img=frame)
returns 8:39
